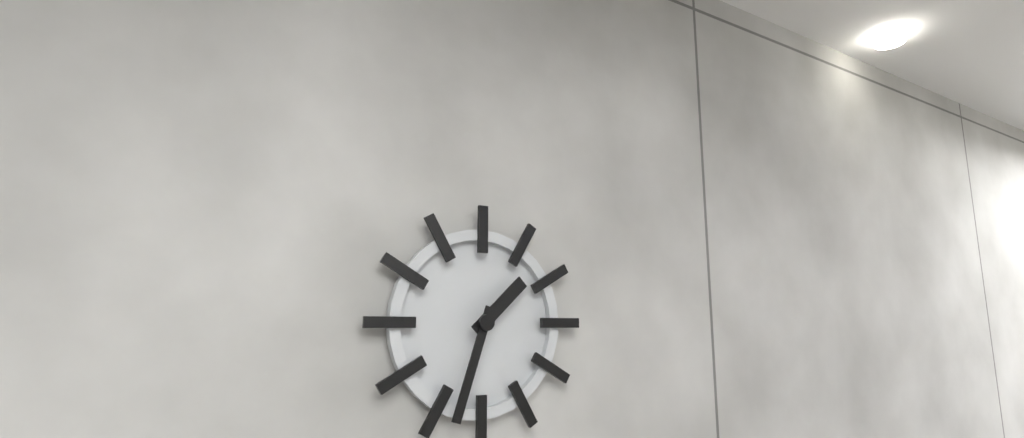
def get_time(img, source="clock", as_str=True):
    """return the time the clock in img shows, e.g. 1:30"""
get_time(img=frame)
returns 1:33
